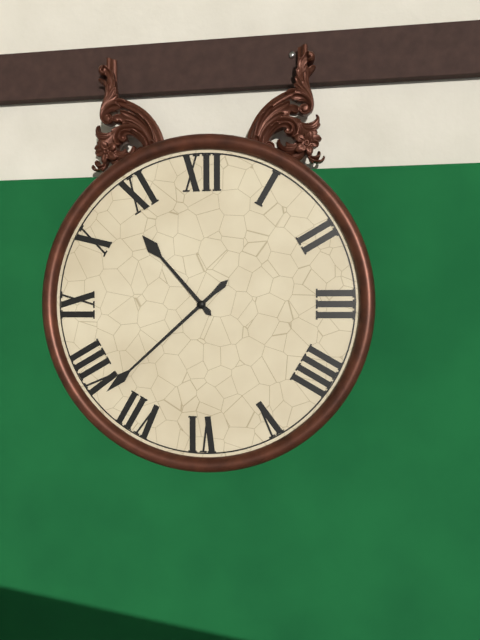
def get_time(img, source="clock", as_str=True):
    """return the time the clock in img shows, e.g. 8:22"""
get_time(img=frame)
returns 10:38
